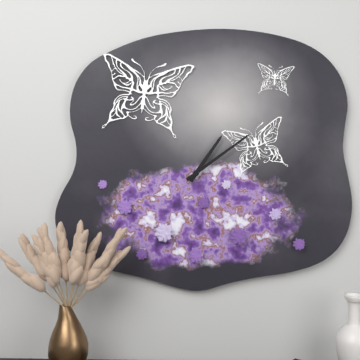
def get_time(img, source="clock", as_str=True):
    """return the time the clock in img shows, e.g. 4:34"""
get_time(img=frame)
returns 1:09
